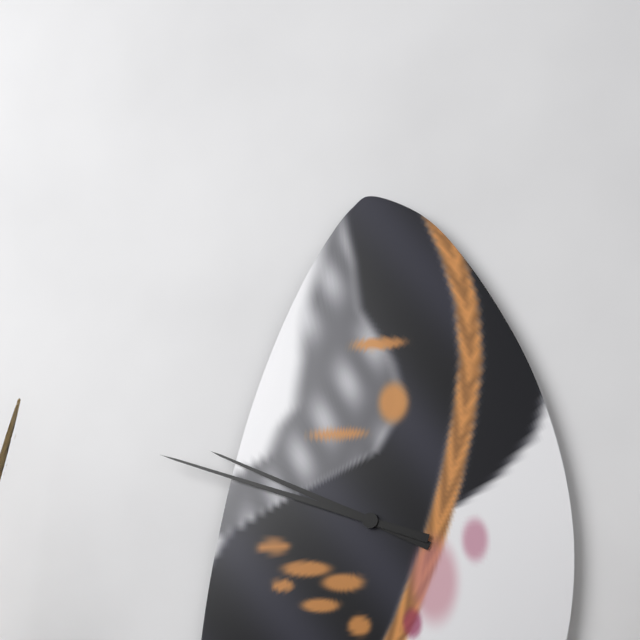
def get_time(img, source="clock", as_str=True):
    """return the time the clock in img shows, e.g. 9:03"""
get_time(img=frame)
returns 9:48
